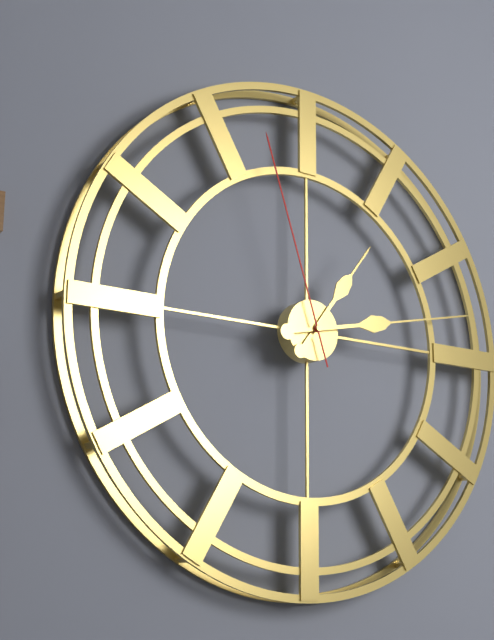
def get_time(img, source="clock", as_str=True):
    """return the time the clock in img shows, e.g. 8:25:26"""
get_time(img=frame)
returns 1:13:57
